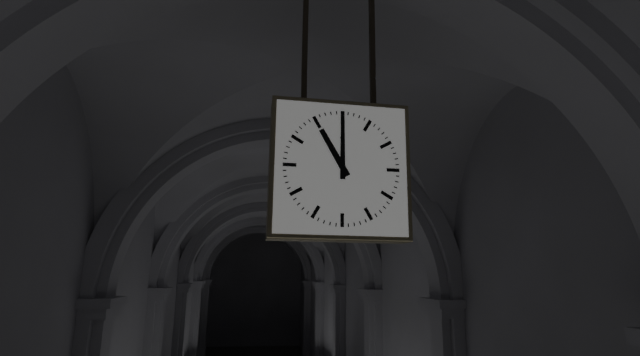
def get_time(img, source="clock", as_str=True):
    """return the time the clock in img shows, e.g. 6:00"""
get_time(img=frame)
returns 11:00
